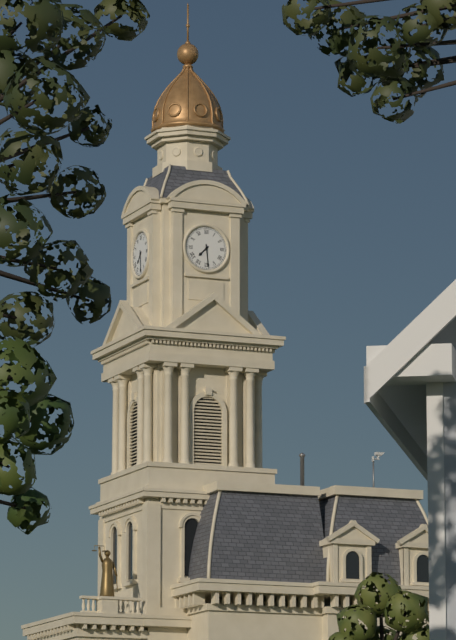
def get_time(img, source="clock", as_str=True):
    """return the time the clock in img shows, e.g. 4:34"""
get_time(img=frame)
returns 7:29
